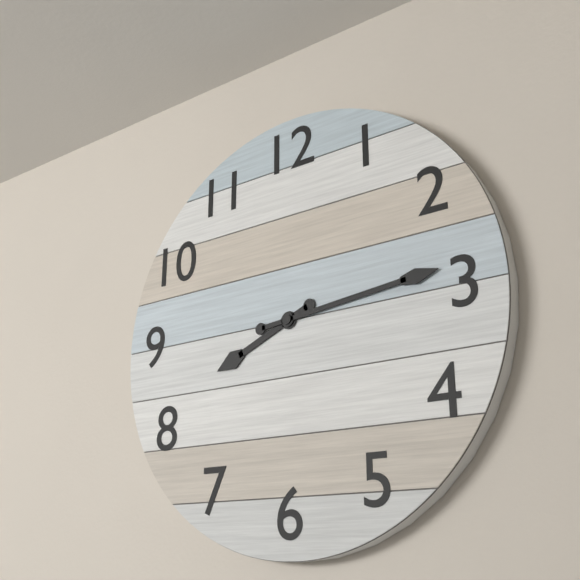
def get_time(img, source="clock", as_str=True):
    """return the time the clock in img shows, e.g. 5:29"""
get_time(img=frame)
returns 8:14
